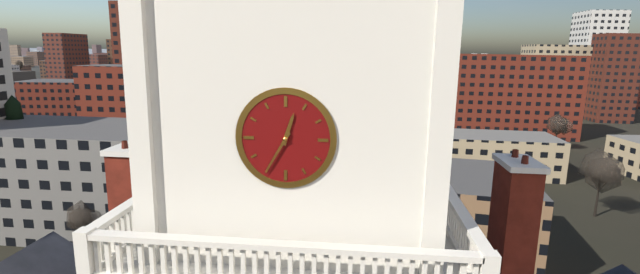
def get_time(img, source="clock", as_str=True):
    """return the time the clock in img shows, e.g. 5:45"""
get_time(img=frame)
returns 12:35
